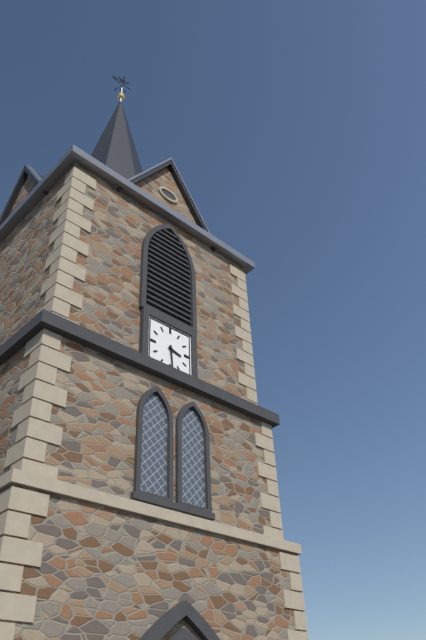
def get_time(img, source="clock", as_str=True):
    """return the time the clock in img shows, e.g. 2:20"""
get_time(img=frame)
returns 3:29
